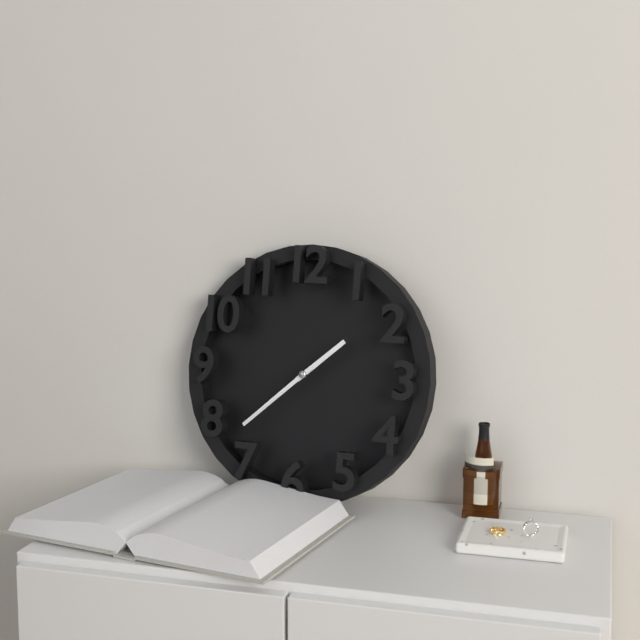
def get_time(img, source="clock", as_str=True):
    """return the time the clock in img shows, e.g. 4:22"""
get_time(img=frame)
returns 1:38
